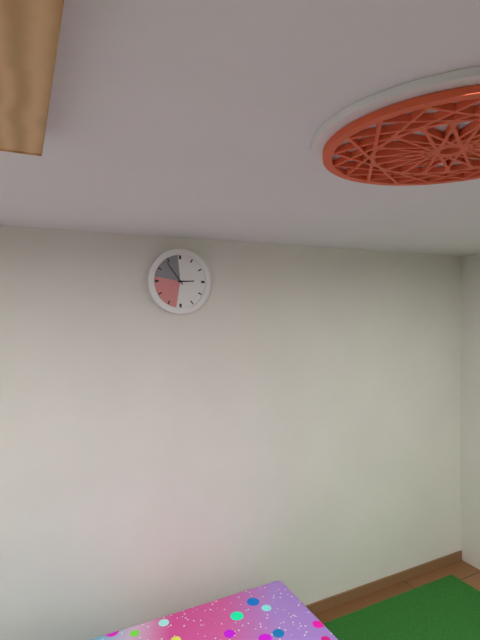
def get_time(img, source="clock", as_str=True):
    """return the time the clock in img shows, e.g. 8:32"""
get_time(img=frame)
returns 2:54
